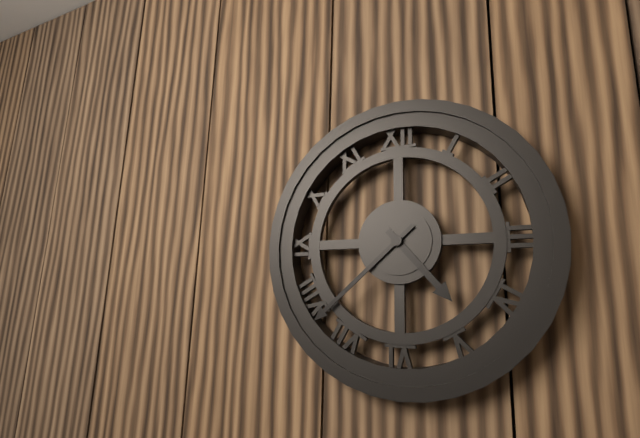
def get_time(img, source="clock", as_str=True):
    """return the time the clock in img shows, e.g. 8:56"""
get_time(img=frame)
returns 4:38
